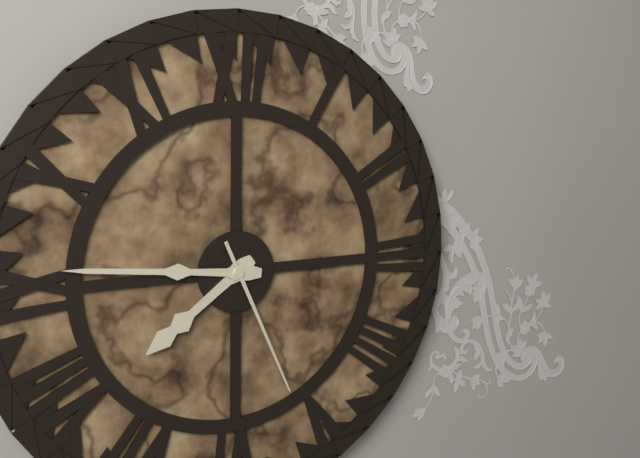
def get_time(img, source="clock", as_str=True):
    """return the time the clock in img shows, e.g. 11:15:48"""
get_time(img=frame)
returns 7:46:26
